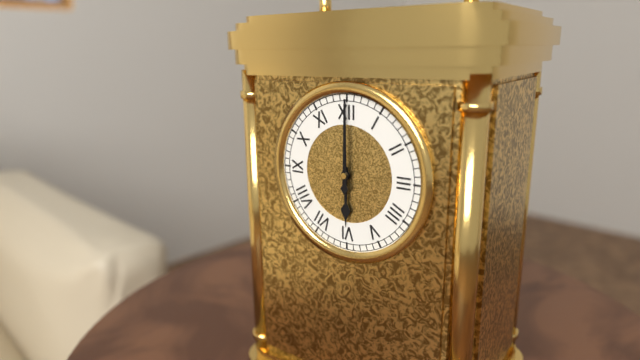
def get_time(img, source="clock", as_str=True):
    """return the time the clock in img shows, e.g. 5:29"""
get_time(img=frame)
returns 6:00
